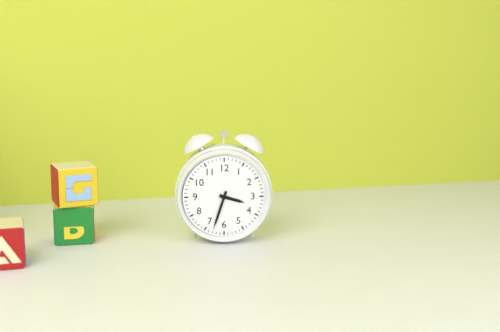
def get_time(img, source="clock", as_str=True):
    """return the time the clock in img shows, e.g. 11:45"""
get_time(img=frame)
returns 3:33
